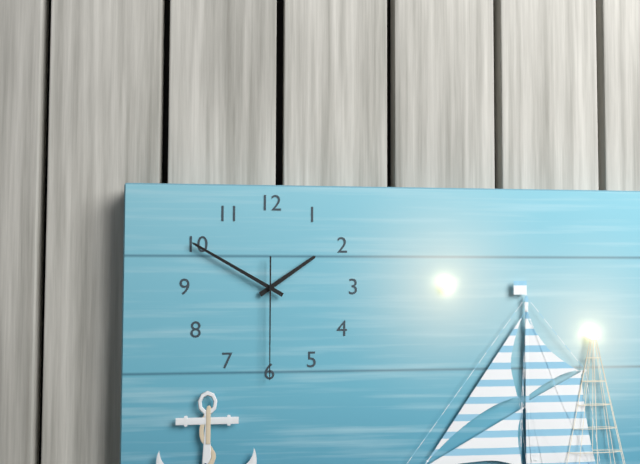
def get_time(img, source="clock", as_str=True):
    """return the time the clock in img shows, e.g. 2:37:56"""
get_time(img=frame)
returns 1:50:30
